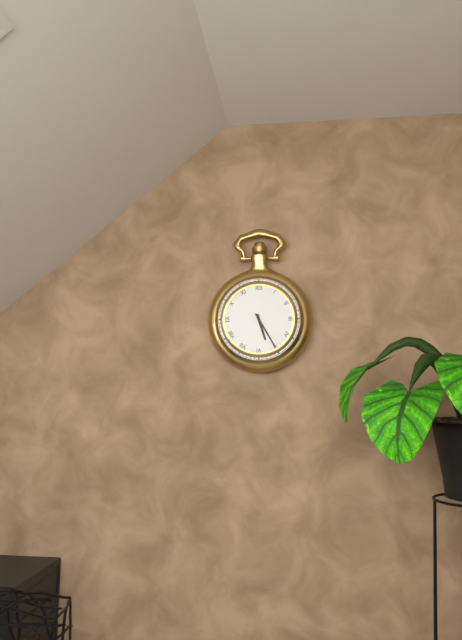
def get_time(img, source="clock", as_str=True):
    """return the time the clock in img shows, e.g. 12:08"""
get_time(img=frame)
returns 5:25
